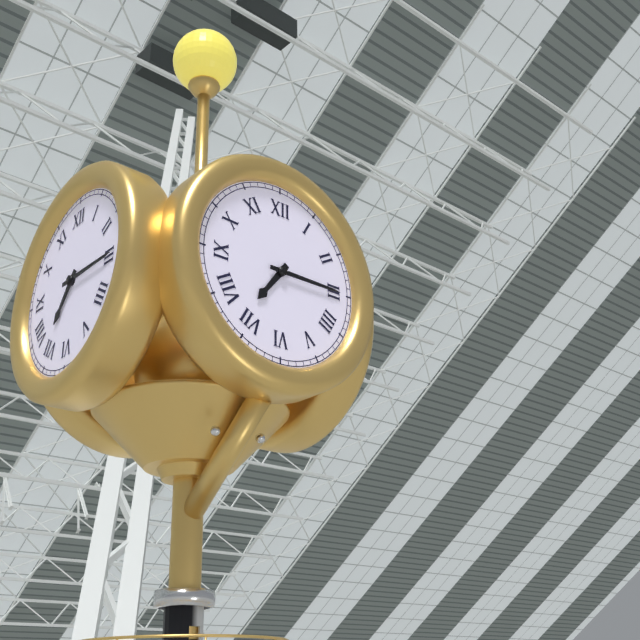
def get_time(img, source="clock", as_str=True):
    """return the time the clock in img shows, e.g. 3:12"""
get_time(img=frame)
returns 7:15
